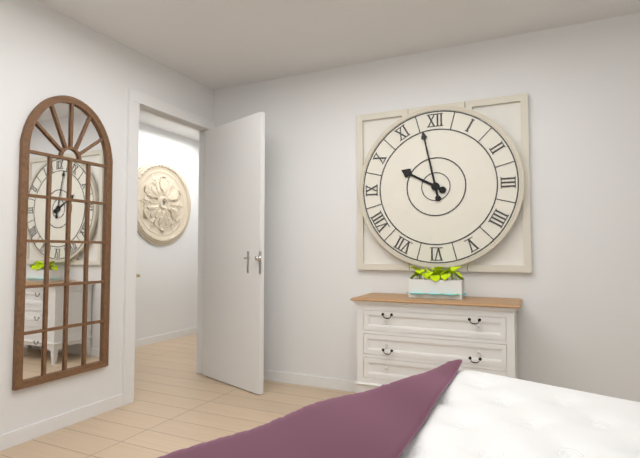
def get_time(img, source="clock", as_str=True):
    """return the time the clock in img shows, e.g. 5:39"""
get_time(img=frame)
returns 9:58
